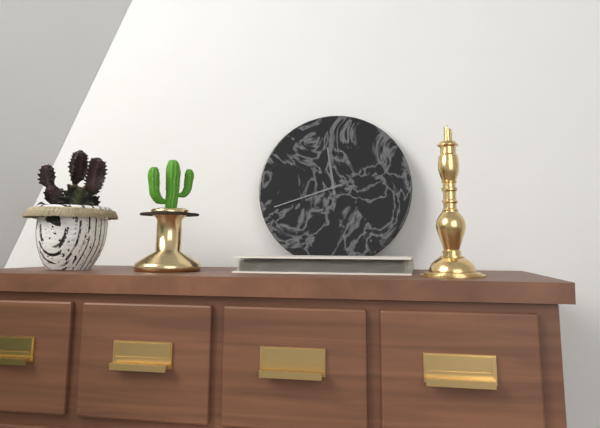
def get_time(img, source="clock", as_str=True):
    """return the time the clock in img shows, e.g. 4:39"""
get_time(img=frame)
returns 11:42
